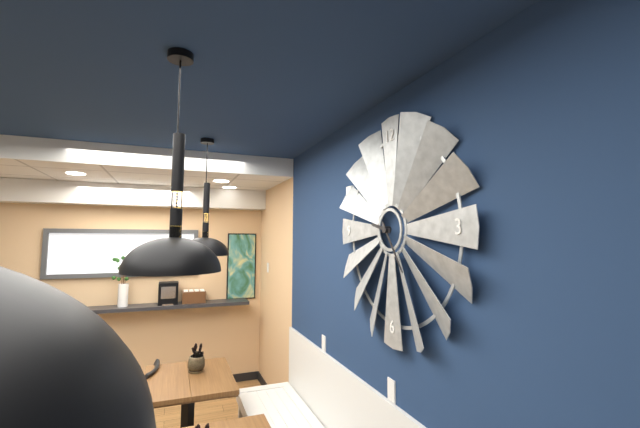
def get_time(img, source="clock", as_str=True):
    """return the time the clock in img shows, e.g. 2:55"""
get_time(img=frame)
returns 9:24
